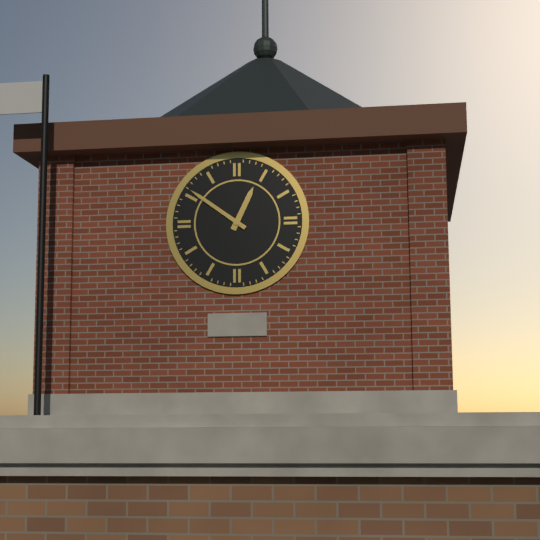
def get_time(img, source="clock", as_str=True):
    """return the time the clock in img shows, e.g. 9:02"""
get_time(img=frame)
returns 12:51
